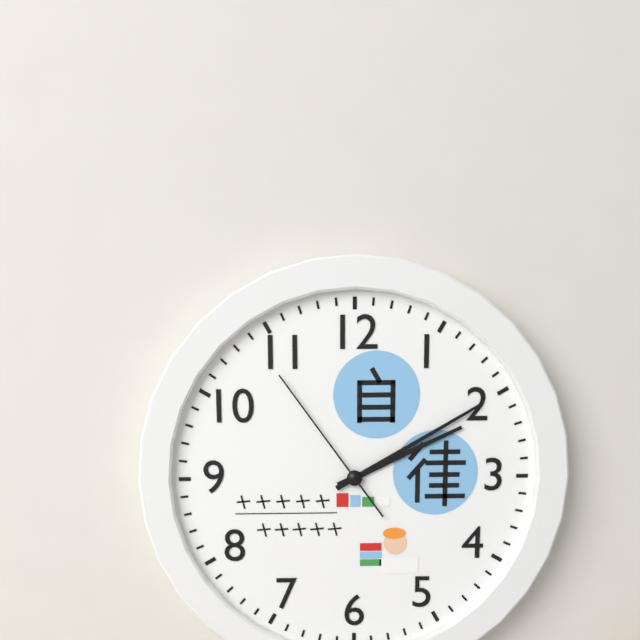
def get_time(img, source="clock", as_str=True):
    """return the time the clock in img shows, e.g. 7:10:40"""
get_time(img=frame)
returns 2:10:54
